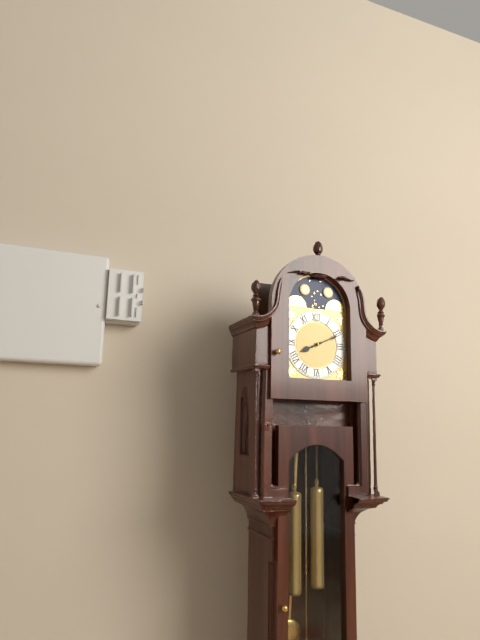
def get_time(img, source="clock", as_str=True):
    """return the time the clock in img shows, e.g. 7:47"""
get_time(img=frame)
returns 8:11
